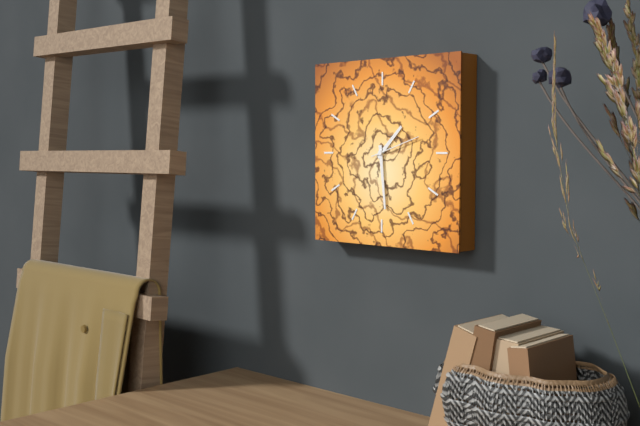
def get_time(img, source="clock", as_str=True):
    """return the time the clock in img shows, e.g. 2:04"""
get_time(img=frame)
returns 1:29
